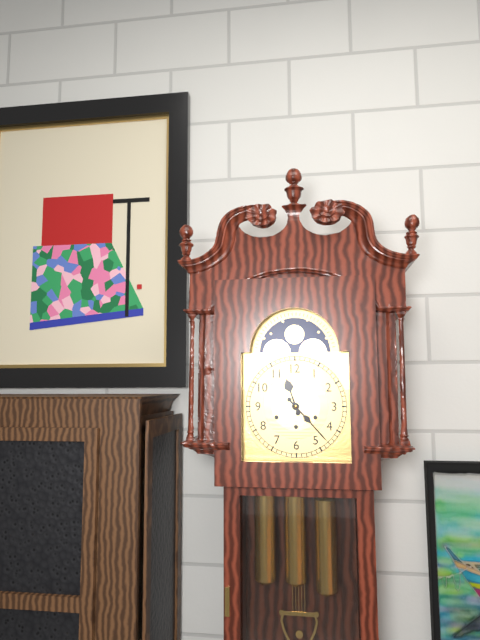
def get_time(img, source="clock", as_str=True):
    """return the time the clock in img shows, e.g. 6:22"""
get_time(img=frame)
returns 11:23
